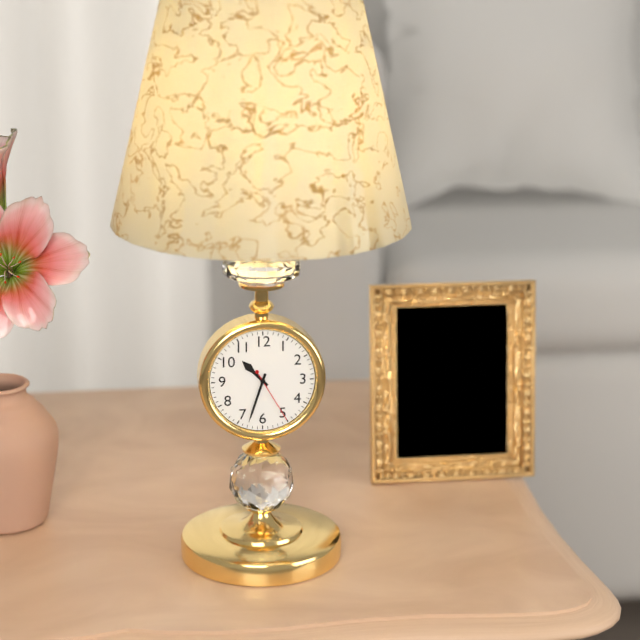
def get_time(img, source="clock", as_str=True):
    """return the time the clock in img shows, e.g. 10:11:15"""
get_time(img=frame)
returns 10:33:25
